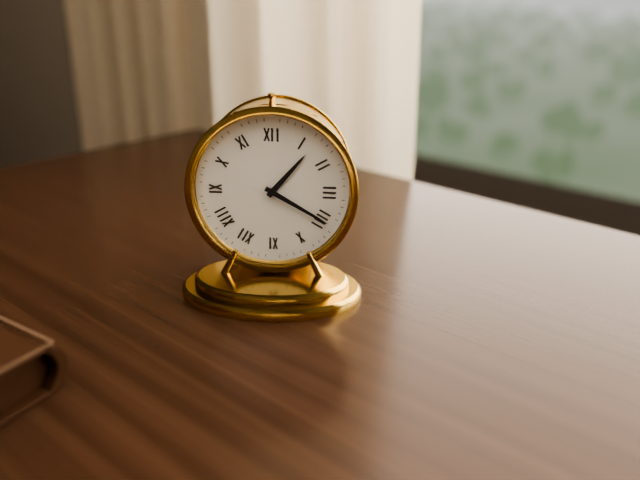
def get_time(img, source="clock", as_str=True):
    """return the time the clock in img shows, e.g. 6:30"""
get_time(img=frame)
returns 1:20
